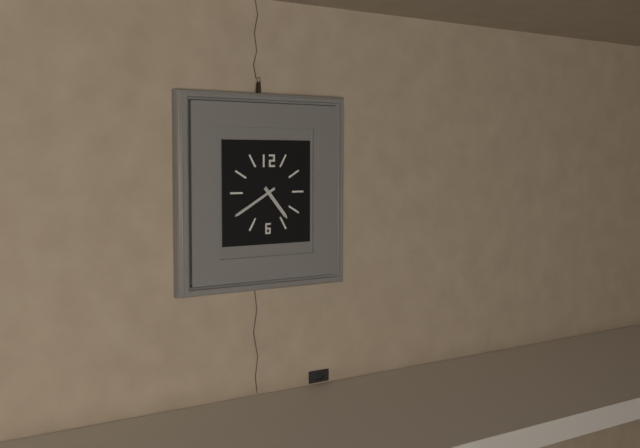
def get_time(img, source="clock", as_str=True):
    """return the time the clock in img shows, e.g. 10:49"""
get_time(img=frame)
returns 4:40
